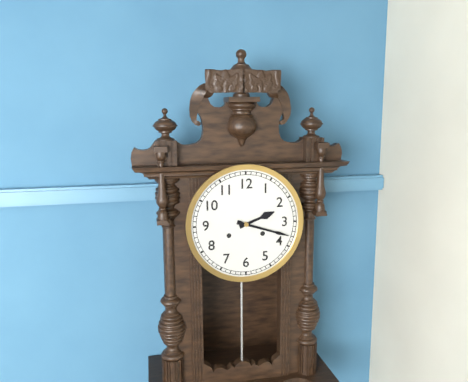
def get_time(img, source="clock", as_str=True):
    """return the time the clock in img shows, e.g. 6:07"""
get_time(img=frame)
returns 2:18
